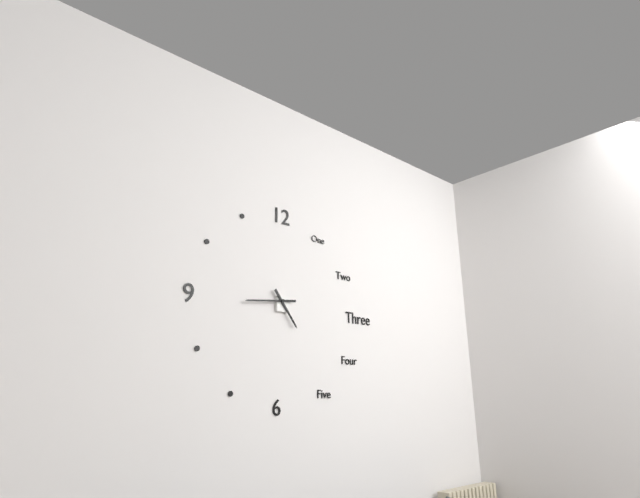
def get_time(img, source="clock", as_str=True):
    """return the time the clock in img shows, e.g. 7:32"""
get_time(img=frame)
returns 4:44
